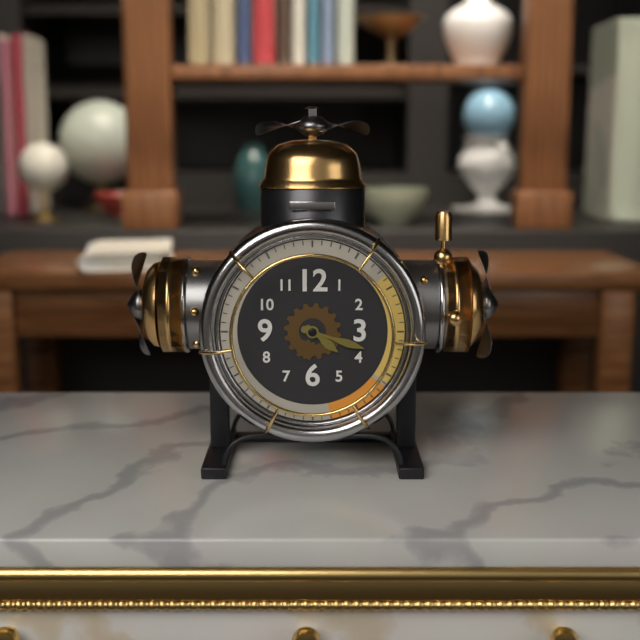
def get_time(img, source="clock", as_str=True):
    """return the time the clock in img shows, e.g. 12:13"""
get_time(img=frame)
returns 4:18
